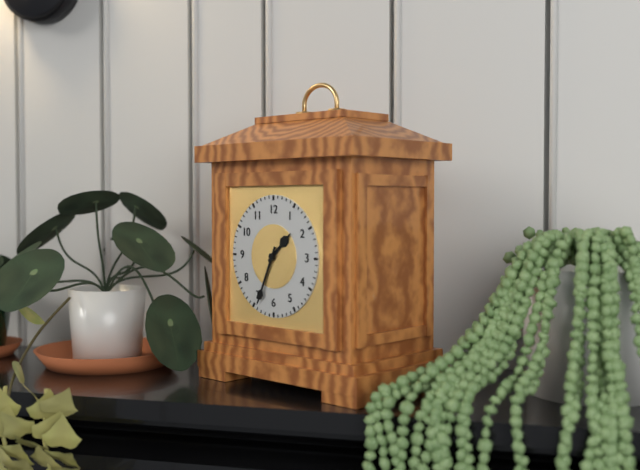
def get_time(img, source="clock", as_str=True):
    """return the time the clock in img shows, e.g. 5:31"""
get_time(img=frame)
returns 1:34
